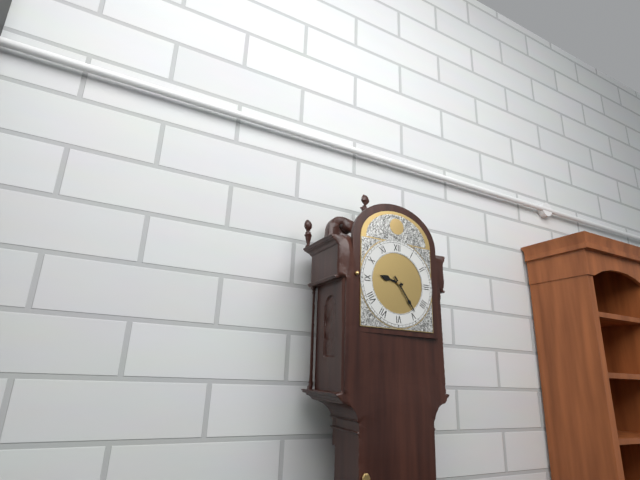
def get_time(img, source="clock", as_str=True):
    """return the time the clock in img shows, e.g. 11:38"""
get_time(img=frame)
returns 9:24
